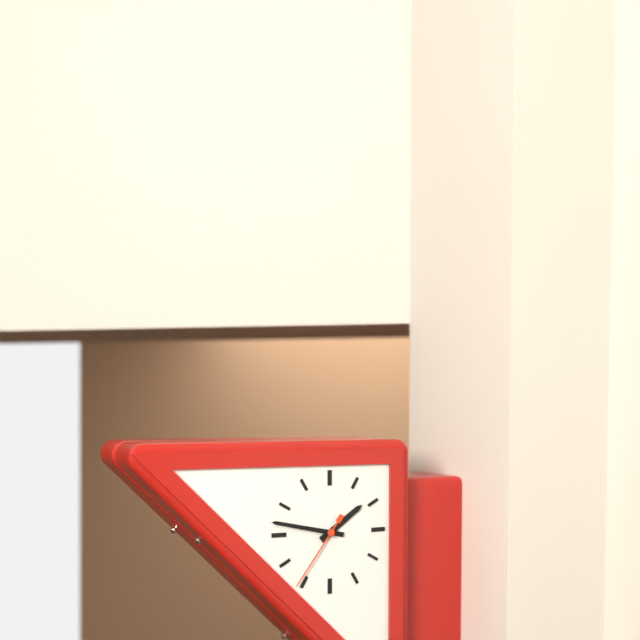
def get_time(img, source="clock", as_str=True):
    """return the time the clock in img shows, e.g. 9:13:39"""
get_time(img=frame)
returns 1:47:36
